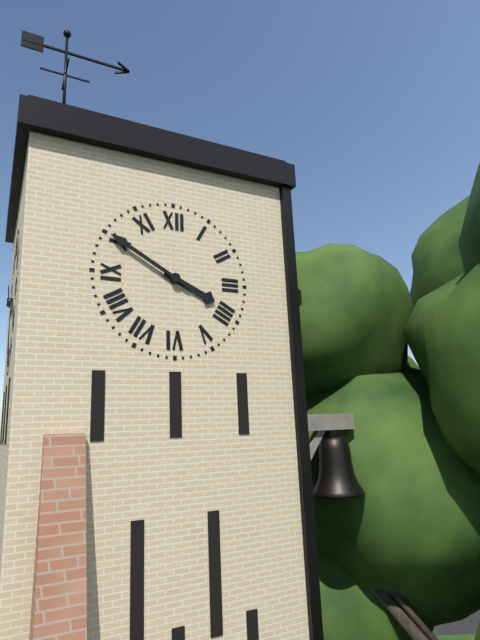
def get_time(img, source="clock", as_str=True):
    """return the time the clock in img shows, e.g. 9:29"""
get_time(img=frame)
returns 3:50
